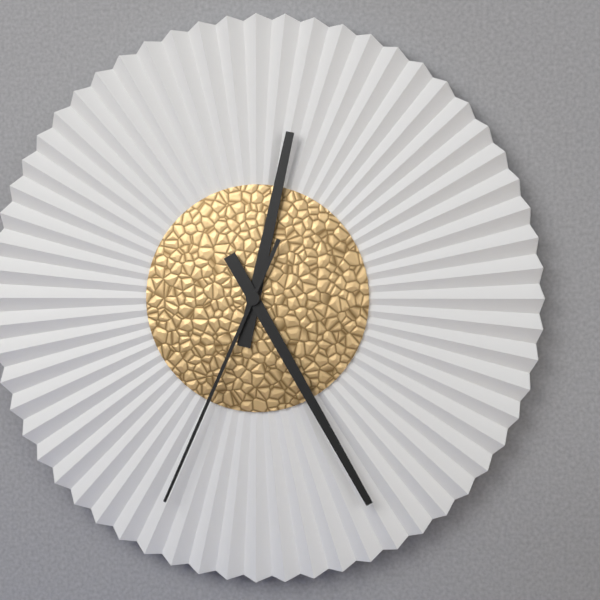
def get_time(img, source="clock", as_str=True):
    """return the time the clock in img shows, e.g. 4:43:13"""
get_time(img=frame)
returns 12:25:34
